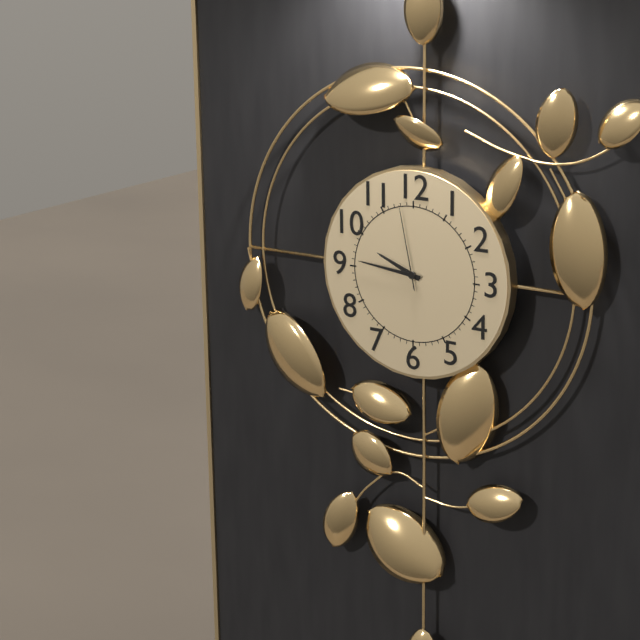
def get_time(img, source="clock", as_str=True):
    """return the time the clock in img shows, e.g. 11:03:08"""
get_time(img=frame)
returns 9:46:58
